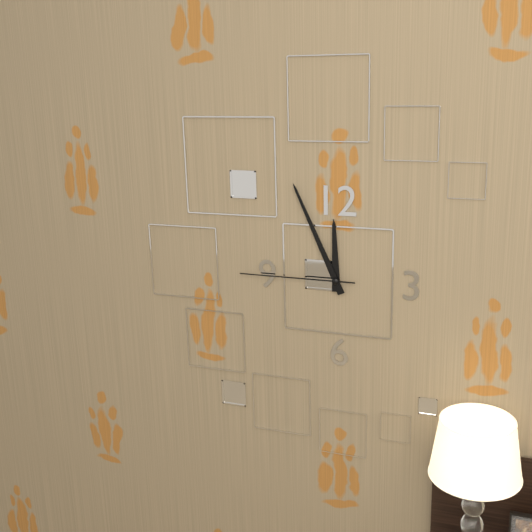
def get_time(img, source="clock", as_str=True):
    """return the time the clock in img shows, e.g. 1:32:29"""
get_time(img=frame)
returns 11:56:45
